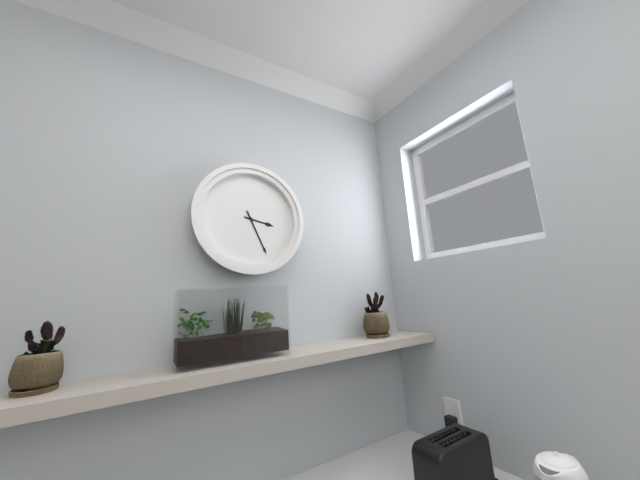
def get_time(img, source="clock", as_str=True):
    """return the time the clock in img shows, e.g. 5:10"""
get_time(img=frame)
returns 3:26
